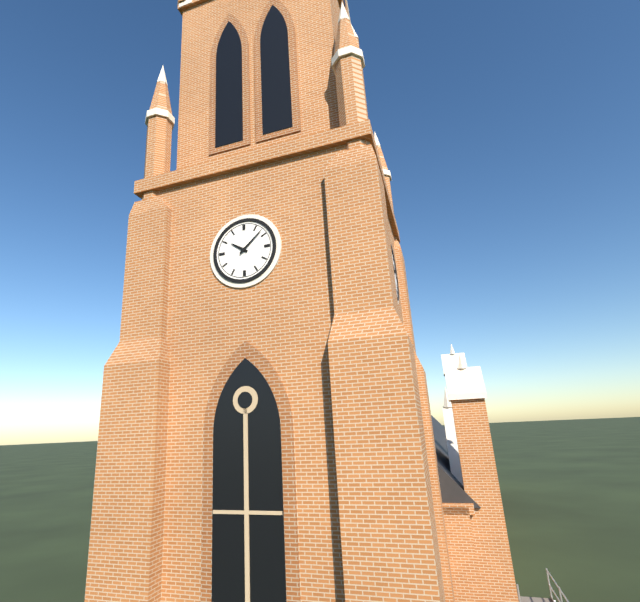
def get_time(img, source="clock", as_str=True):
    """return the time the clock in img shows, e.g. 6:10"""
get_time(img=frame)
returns 10:08
